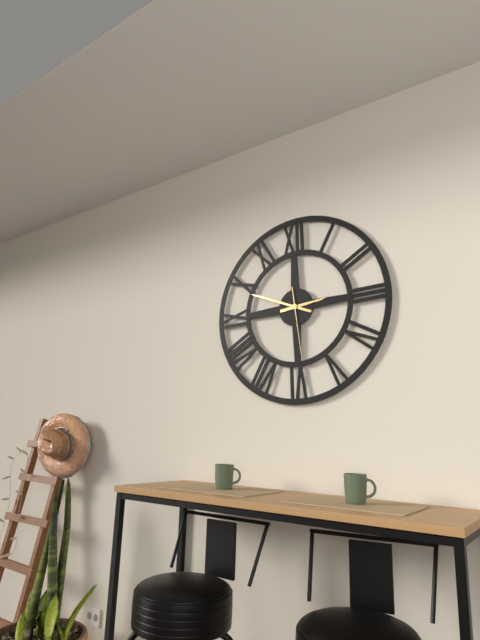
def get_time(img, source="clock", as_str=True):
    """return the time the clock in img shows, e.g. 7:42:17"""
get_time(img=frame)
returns 2:49:29
